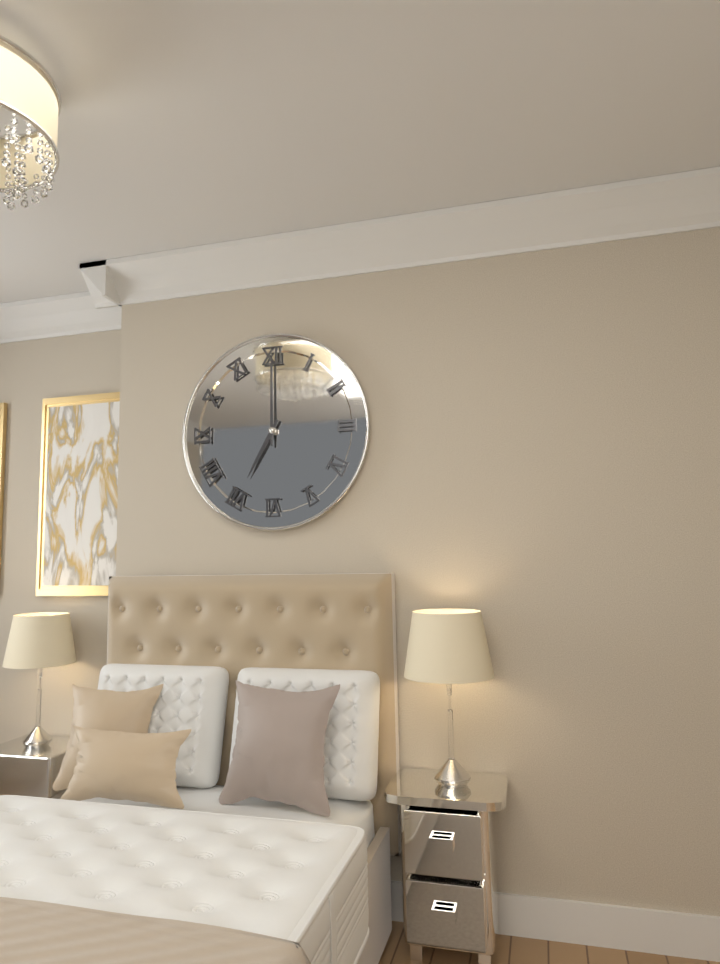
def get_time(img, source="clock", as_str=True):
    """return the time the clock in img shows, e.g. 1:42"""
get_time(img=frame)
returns 7:00
